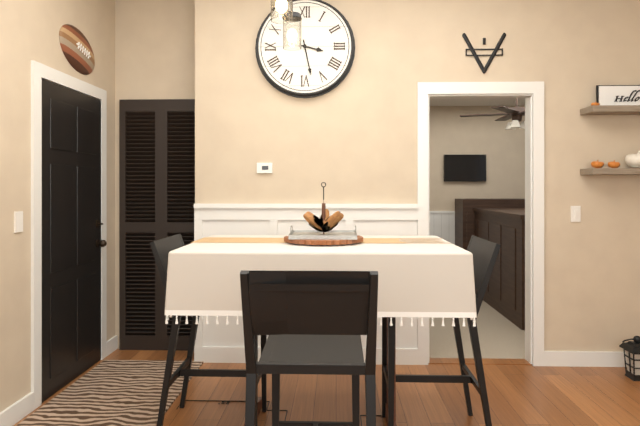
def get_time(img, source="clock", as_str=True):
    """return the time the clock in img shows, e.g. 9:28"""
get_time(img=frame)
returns 3:28
